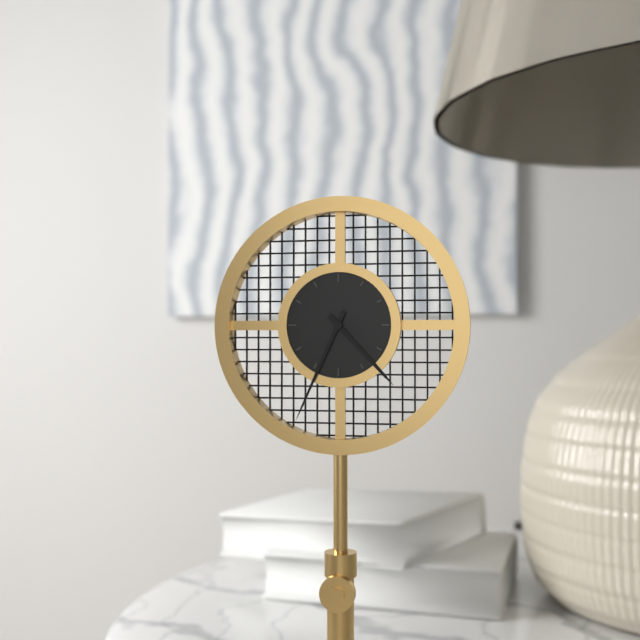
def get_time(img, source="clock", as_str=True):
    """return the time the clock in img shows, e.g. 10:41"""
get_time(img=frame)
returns 4:34
